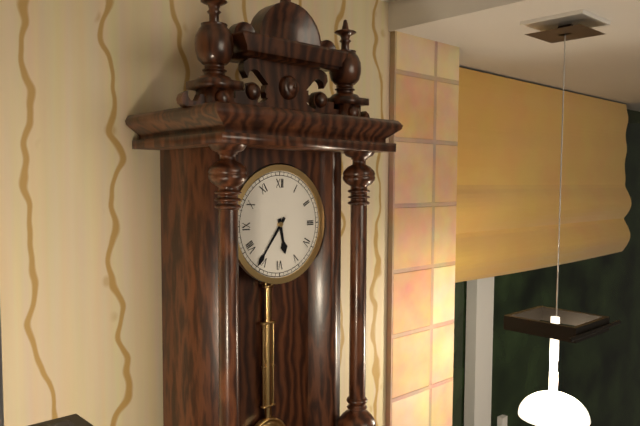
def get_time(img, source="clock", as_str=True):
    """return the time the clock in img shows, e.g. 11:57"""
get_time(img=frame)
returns 5:36
